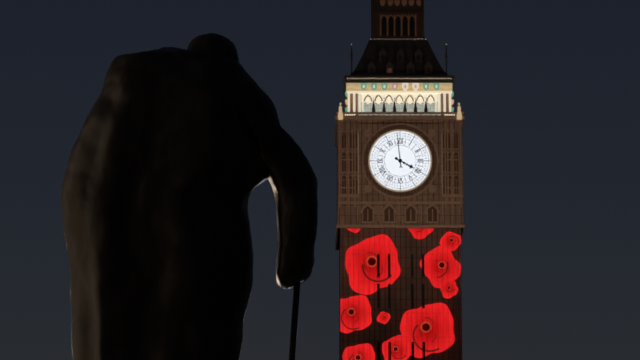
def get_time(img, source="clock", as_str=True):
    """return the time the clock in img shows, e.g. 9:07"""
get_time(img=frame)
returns 3:59
